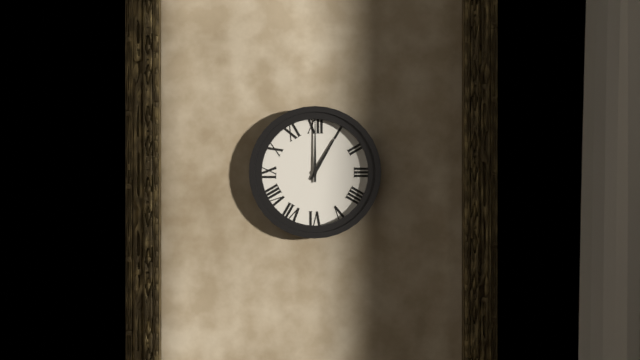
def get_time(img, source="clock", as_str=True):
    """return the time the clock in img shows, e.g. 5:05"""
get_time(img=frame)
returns 1:00
